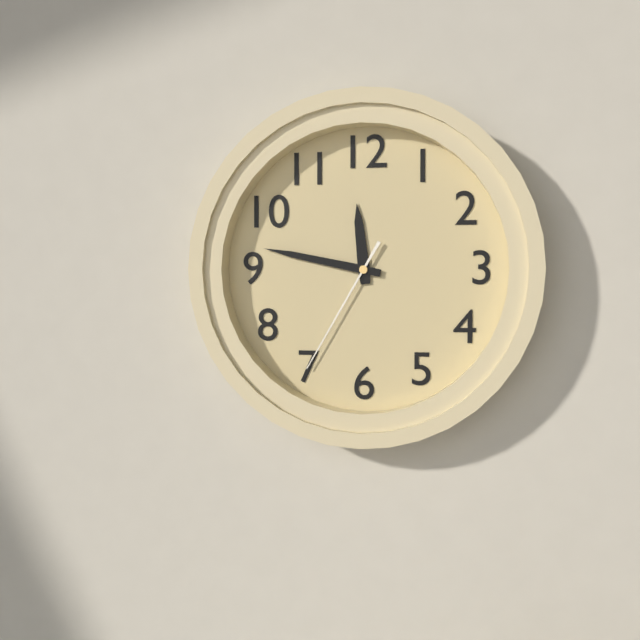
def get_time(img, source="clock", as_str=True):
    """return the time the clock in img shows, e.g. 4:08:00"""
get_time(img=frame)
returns 11:47:35
